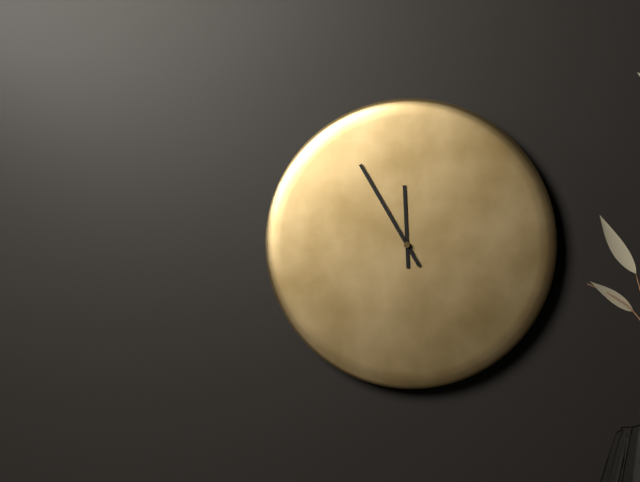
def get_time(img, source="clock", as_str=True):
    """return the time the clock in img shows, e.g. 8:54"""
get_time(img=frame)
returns 11:55
